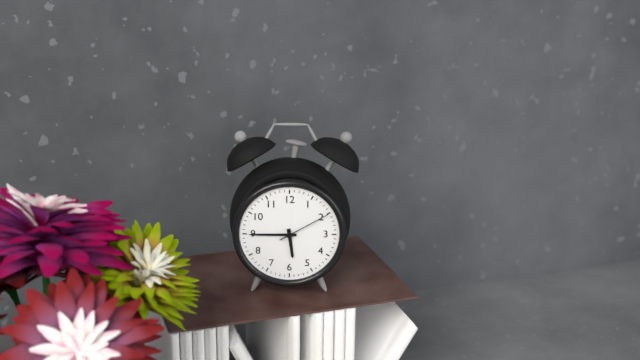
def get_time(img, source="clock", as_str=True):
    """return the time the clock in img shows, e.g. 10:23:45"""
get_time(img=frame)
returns 5:45:10
